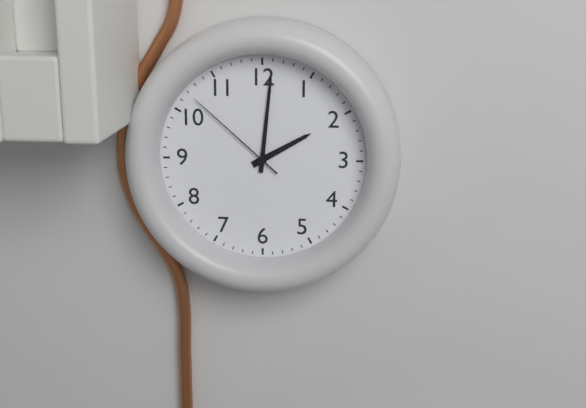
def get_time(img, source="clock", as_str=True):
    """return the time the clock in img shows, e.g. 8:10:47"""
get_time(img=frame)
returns 2:01:52
